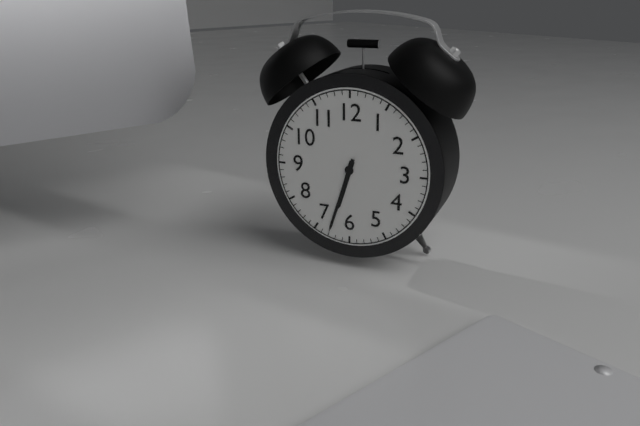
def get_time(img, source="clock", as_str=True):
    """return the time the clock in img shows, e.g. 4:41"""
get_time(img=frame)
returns 6:33
